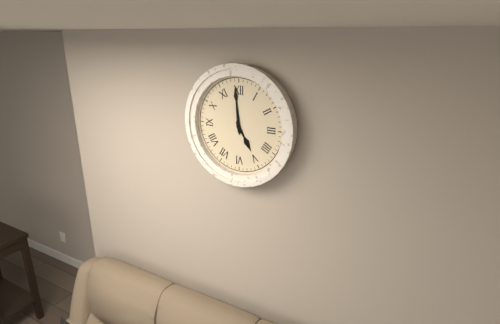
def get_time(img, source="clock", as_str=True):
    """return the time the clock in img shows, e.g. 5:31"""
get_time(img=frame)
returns 4:59
